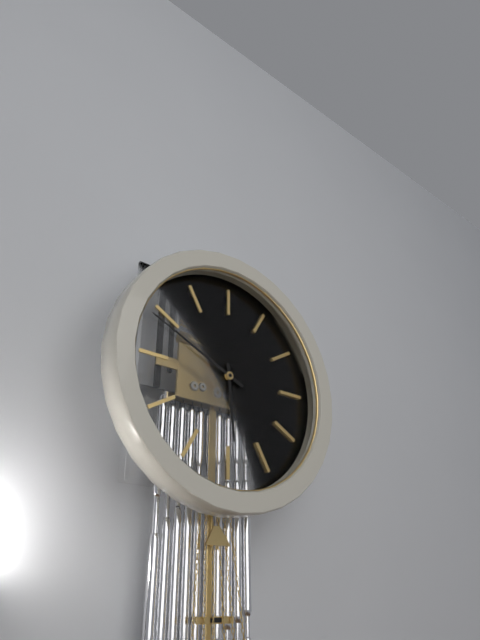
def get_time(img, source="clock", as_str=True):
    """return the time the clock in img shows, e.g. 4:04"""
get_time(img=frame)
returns 5:49
